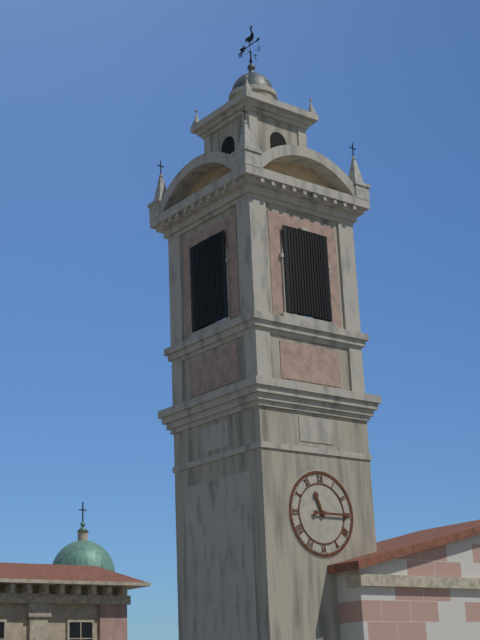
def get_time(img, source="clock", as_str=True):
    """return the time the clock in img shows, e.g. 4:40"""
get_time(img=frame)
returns 11:15
